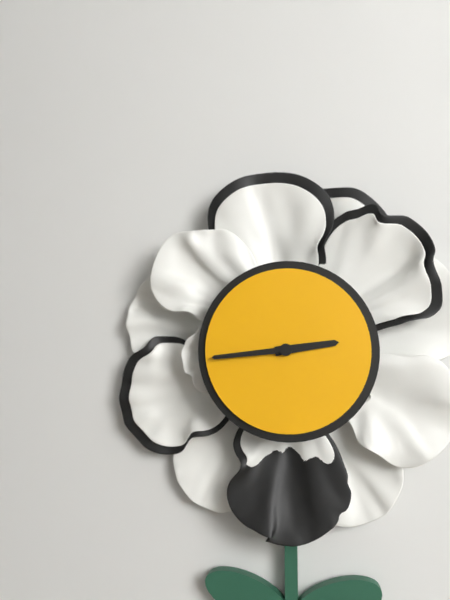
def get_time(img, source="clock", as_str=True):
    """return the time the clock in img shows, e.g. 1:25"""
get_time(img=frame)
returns 2:44
